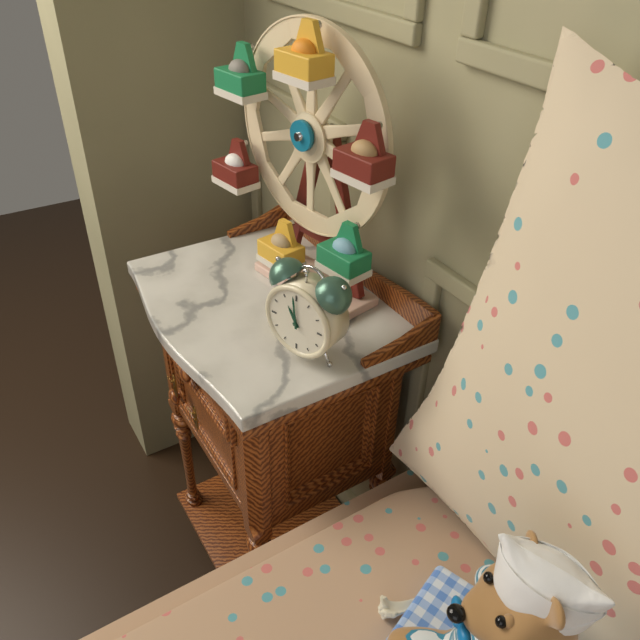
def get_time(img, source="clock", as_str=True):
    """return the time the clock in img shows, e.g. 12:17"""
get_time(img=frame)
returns 10:59
